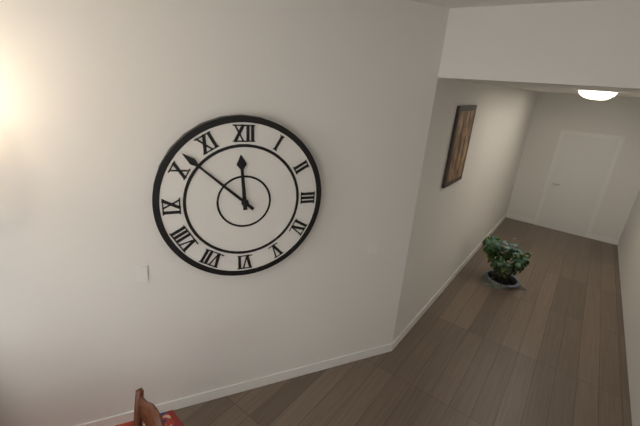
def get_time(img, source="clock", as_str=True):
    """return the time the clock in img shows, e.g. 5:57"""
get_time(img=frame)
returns 11:52
